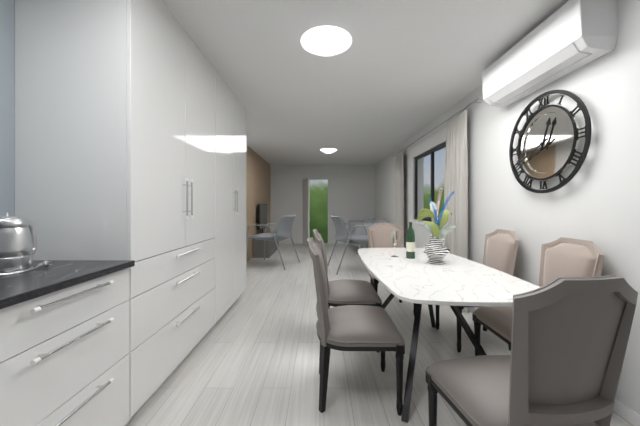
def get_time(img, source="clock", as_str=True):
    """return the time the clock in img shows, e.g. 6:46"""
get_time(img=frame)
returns 12:41
